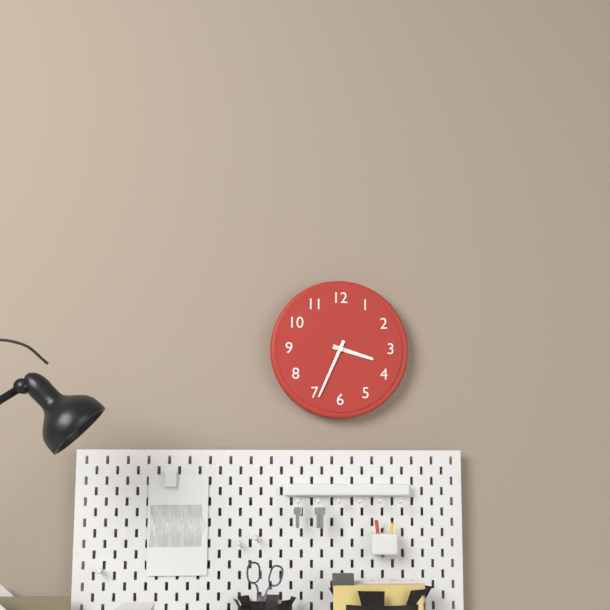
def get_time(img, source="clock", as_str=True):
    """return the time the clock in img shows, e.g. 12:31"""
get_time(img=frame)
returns 3:34
